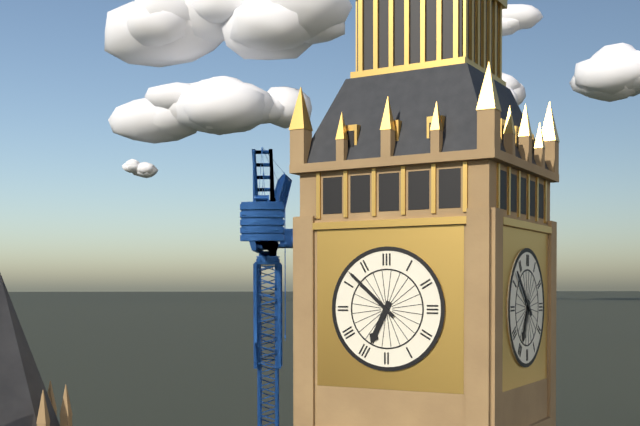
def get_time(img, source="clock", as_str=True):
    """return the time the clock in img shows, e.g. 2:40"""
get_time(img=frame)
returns 6:52
